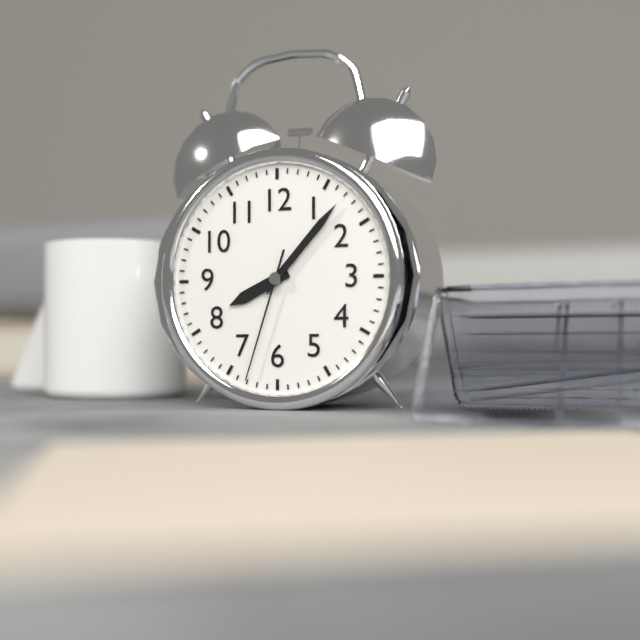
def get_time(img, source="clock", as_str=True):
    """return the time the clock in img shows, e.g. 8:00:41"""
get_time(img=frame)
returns 8:07:33
